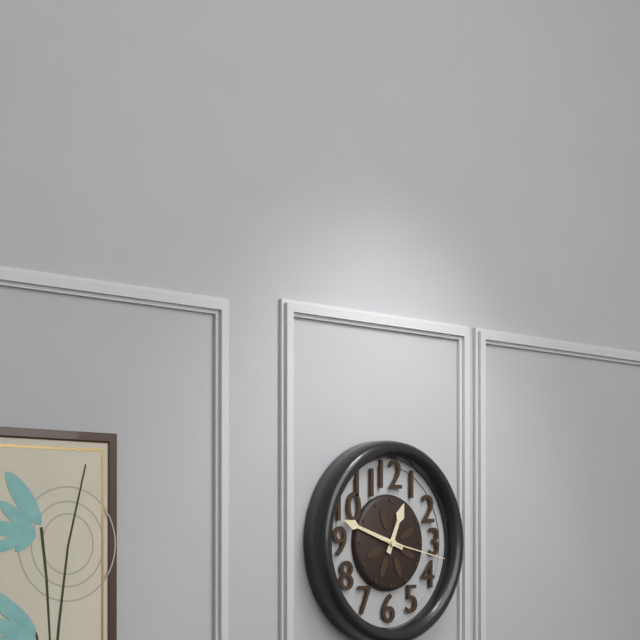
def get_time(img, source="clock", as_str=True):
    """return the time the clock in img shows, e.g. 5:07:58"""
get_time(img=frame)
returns 12:48:17
